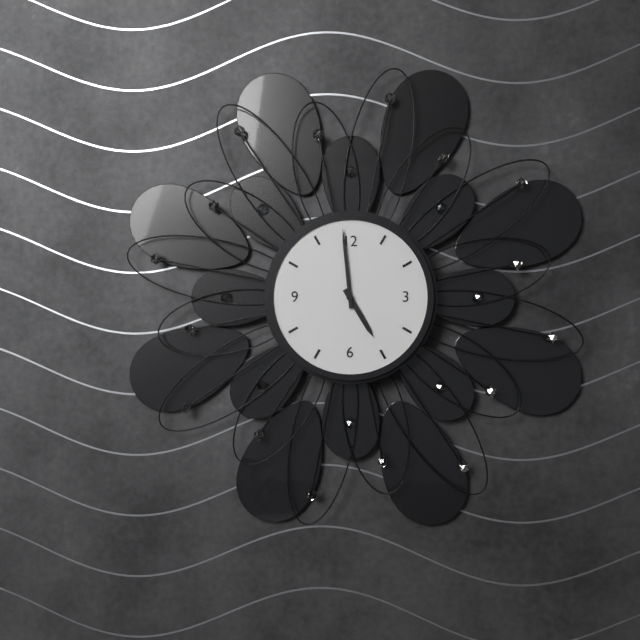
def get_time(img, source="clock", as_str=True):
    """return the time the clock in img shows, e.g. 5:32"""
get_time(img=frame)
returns 4:59
